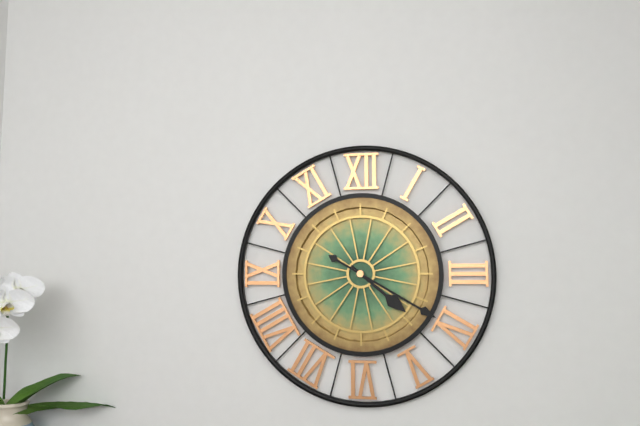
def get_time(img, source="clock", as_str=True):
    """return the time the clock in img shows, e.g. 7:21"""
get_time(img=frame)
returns 4:20
